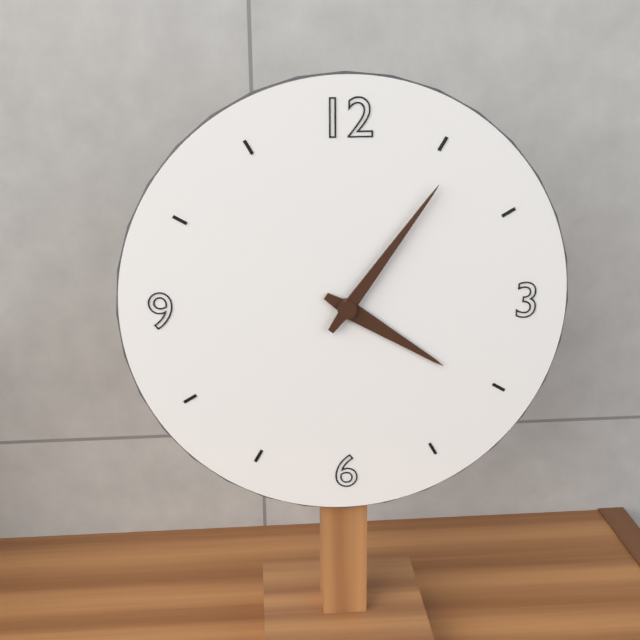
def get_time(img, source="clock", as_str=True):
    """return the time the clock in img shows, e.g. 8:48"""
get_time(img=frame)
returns 4:06
